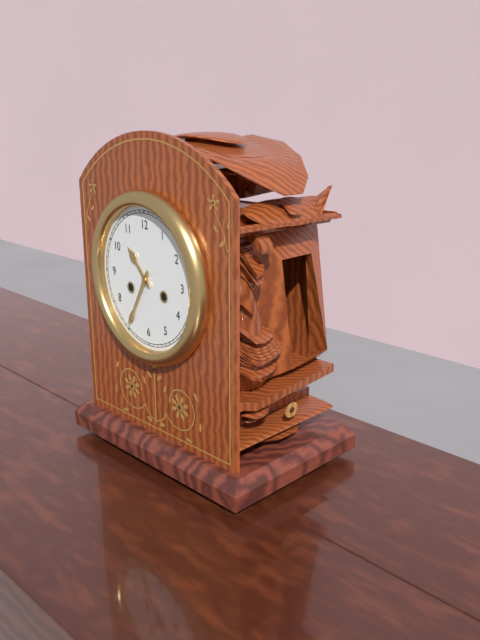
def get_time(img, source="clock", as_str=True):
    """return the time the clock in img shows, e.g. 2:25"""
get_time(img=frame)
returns 10:35
